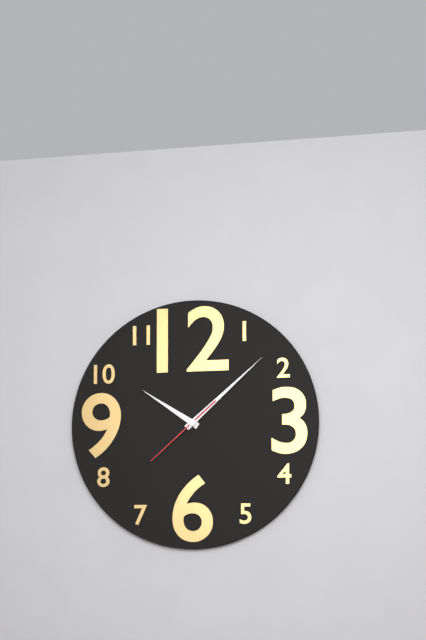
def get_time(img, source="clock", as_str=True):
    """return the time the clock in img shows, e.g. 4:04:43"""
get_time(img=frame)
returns 10:08:38
